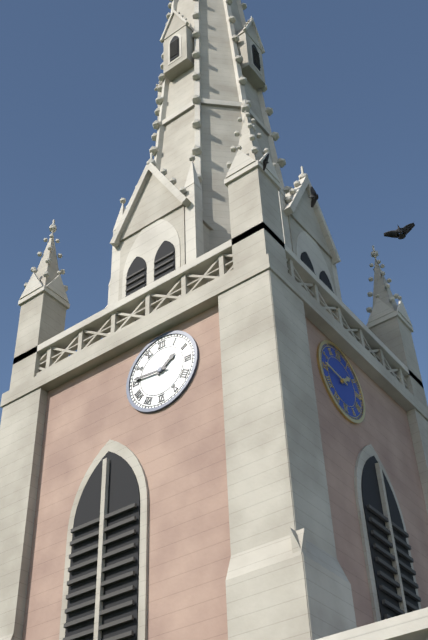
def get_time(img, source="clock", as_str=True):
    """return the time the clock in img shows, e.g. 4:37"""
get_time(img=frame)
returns 1:46
